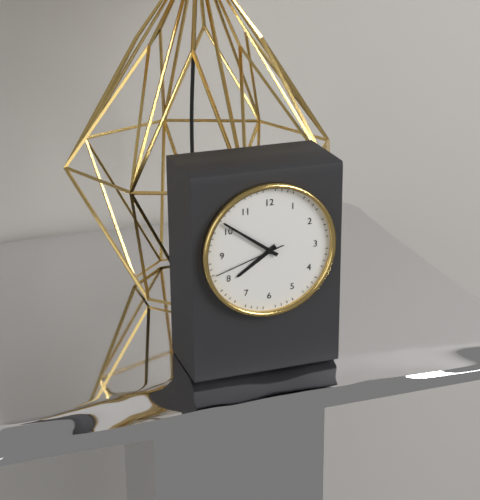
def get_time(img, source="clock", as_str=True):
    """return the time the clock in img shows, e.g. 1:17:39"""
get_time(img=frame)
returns 7:51:42
